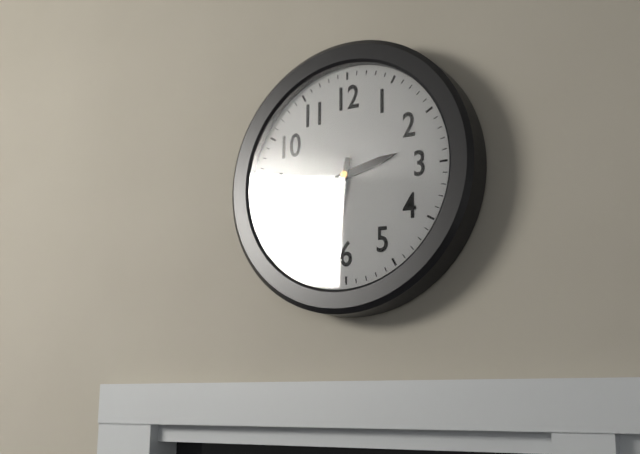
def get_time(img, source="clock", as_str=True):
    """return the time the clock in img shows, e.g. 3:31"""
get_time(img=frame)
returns 2:32
